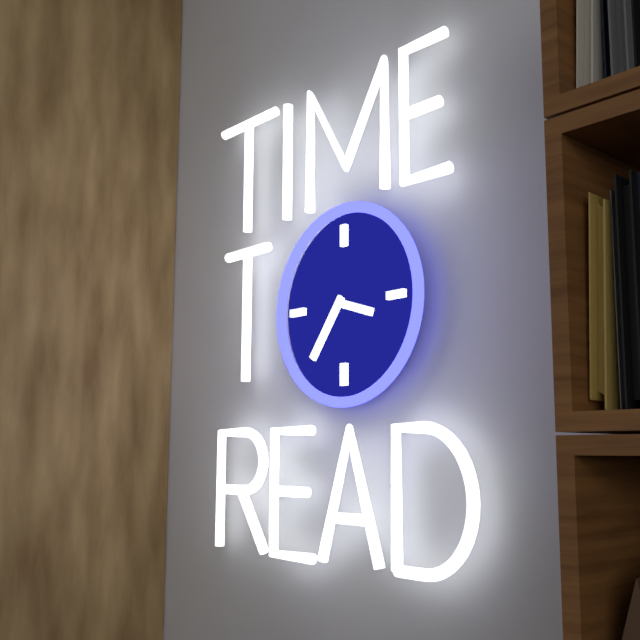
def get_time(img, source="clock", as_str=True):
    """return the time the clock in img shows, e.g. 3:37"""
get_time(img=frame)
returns 3:36
